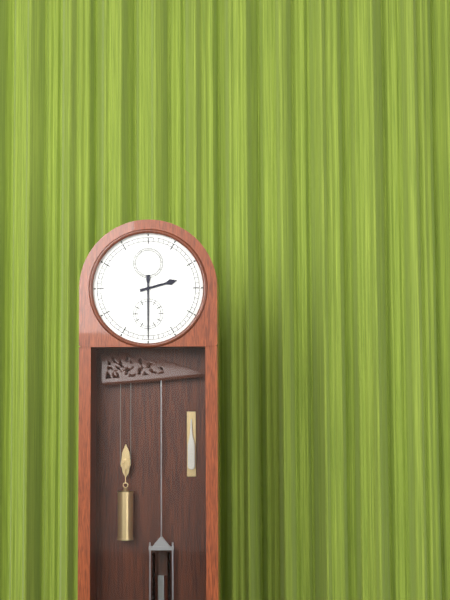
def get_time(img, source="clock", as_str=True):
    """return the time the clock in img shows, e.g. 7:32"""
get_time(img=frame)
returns 2:30
